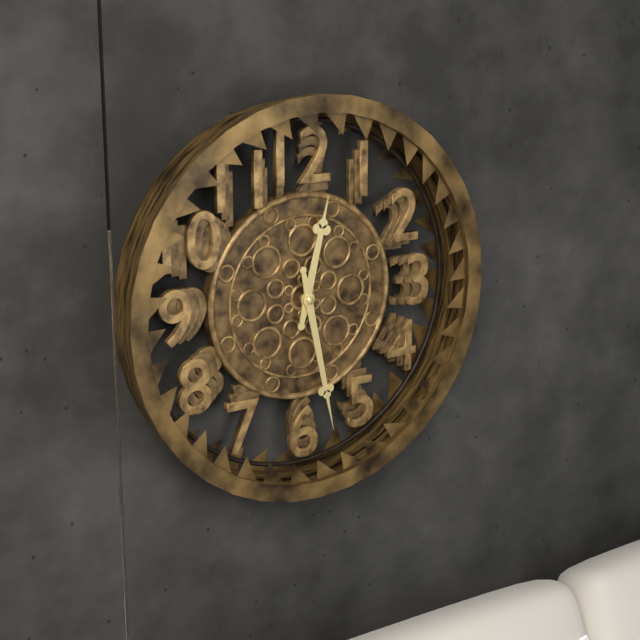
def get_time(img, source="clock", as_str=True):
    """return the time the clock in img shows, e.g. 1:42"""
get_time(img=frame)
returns 12:28
